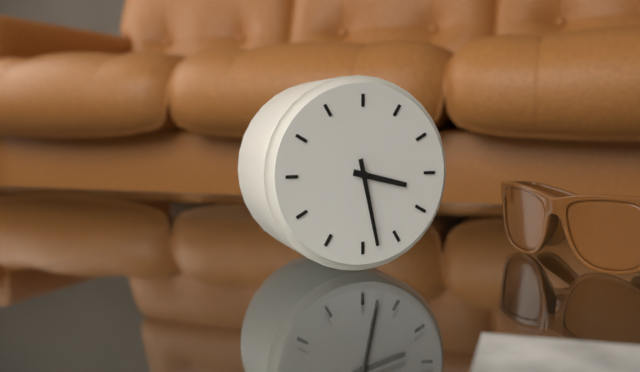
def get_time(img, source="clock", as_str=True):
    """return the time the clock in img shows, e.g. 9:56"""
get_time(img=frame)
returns 3:28
